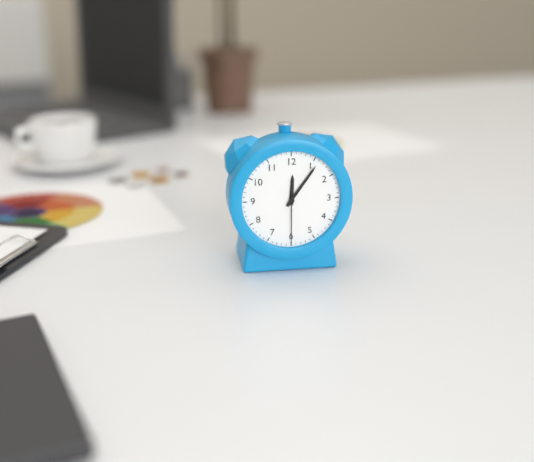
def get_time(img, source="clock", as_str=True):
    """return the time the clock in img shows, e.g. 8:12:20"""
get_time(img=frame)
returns 12:06:30
